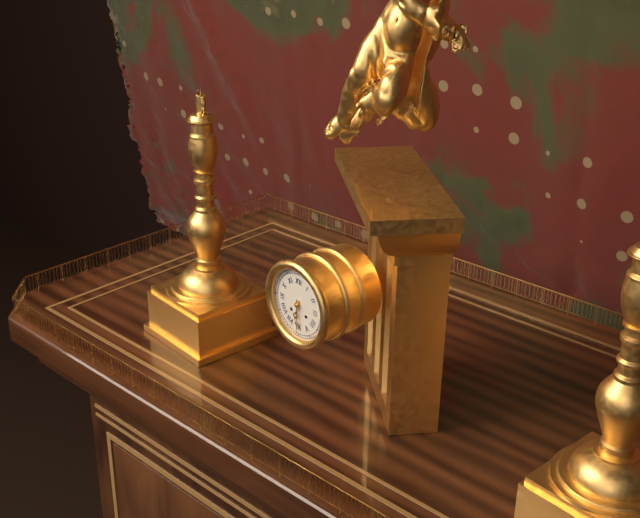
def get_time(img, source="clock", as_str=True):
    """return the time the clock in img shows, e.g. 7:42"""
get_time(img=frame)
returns 6:30
